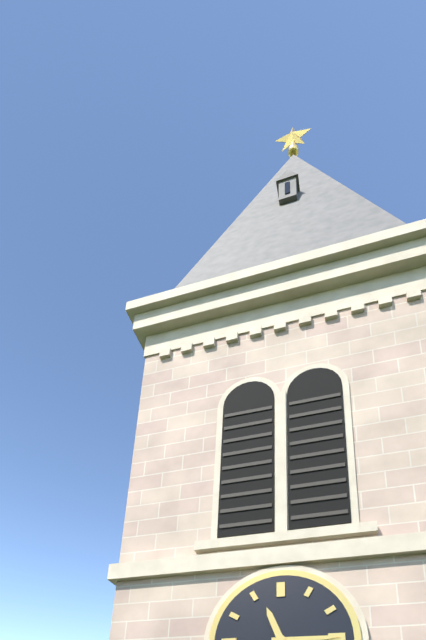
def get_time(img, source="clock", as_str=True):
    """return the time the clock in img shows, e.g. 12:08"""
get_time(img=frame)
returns 11:15
